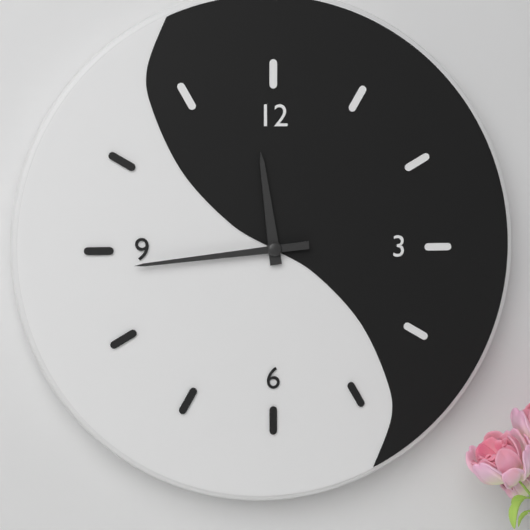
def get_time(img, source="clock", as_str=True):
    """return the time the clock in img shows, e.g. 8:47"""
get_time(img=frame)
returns 11:44
